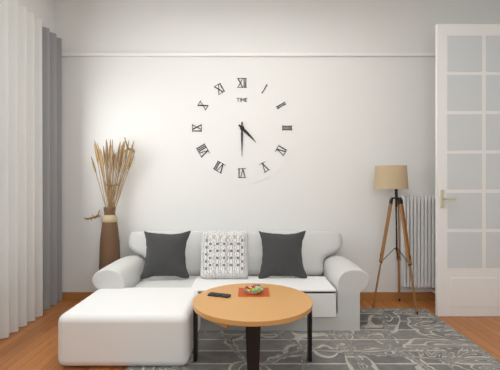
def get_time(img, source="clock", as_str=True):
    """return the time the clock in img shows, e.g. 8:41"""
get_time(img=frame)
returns 4:30
